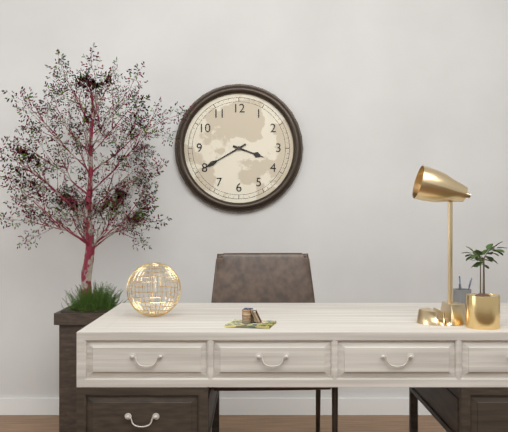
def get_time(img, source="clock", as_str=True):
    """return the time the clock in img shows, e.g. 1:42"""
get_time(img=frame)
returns 3:40
